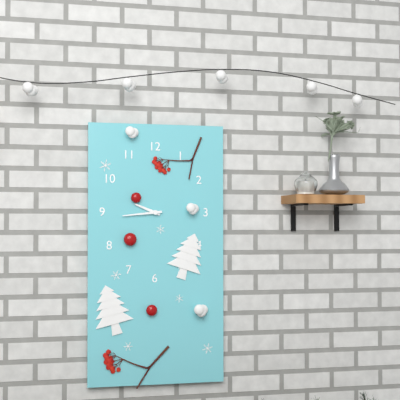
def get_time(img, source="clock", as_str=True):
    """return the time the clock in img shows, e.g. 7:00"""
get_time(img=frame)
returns 9:44
